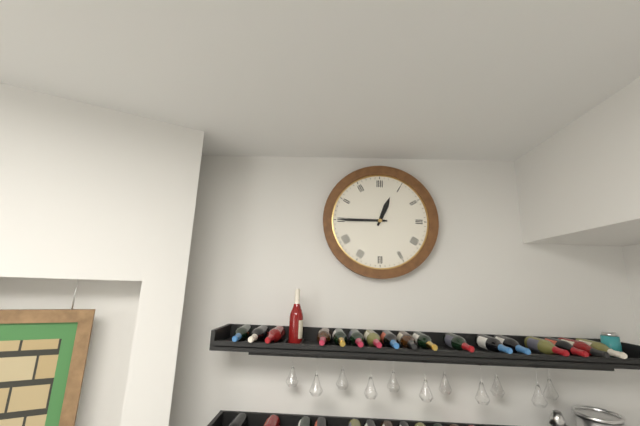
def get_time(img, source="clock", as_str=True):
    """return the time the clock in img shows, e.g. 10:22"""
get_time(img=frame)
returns 12:45
